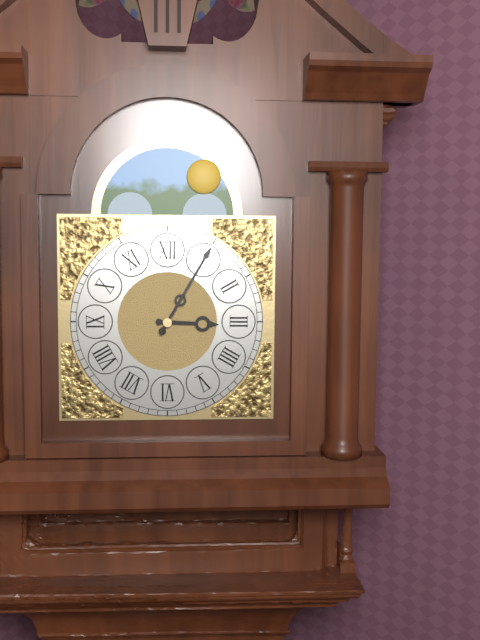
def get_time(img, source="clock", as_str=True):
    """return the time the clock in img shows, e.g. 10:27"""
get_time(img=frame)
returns 3:05
